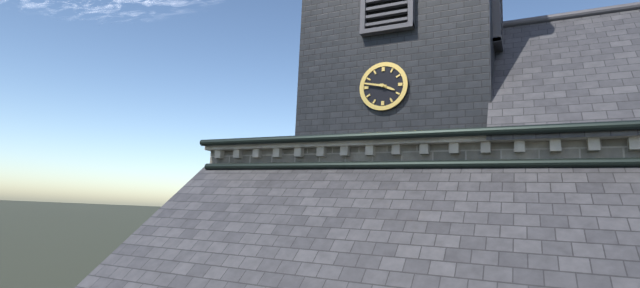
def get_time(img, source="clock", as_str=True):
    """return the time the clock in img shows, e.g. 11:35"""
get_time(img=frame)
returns 3:47
